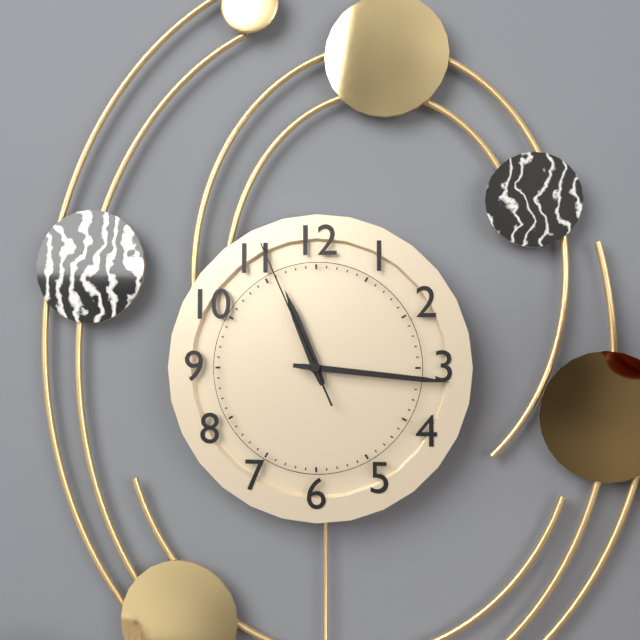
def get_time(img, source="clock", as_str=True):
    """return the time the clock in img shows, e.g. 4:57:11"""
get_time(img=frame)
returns 11:16:56
